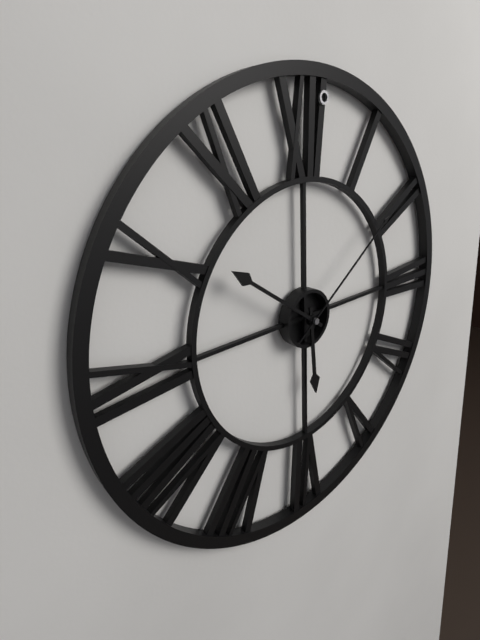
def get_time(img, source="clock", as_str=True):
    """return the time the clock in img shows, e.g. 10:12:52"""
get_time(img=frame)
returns 5:51:09
